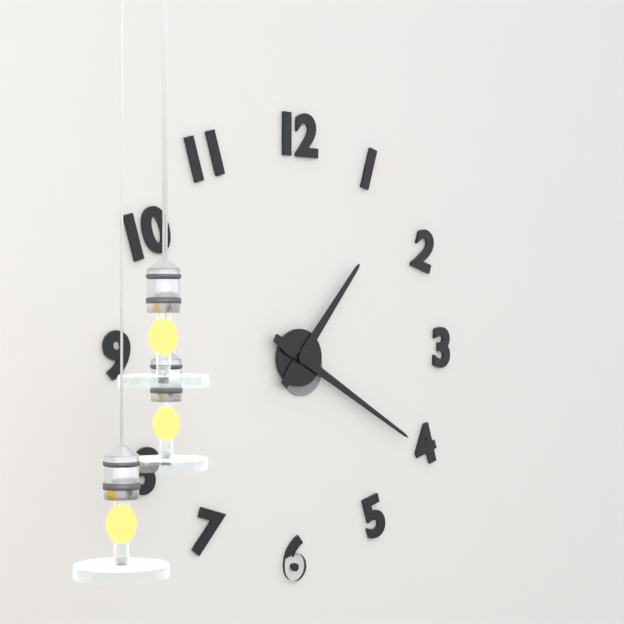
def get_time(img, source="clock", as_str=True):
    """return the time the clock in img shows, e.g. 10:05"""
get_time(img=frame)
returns 1:20
